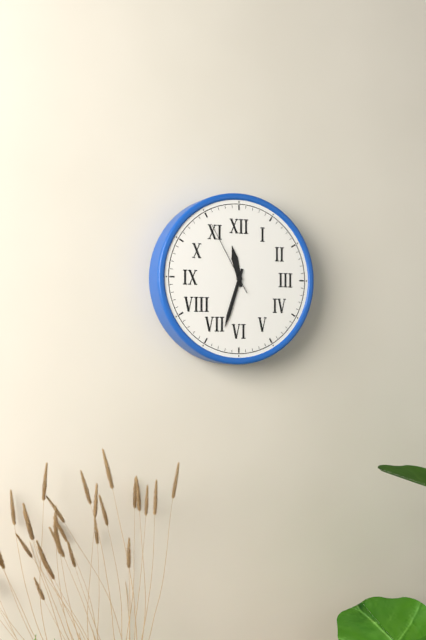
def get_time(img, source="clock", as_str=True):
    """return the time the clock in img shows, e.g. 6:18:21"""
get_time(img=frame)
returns 11:33:55
